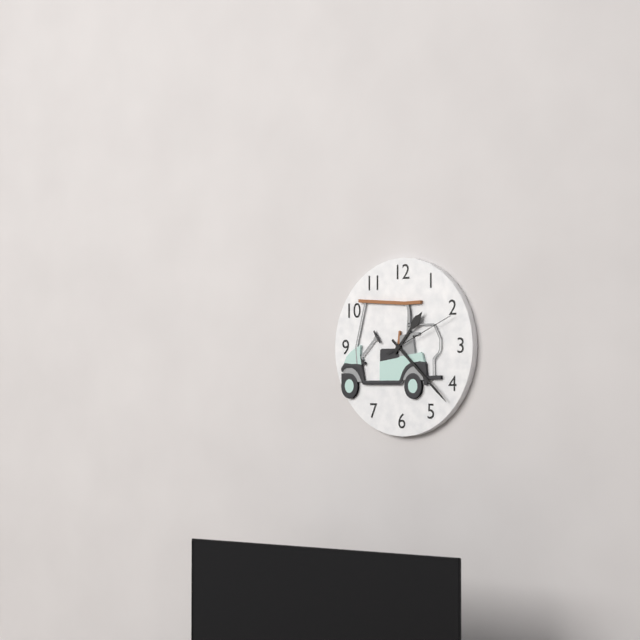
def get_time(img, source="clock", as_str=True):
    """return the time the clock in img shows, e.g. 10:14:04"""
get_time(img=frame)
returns 1:22:11
